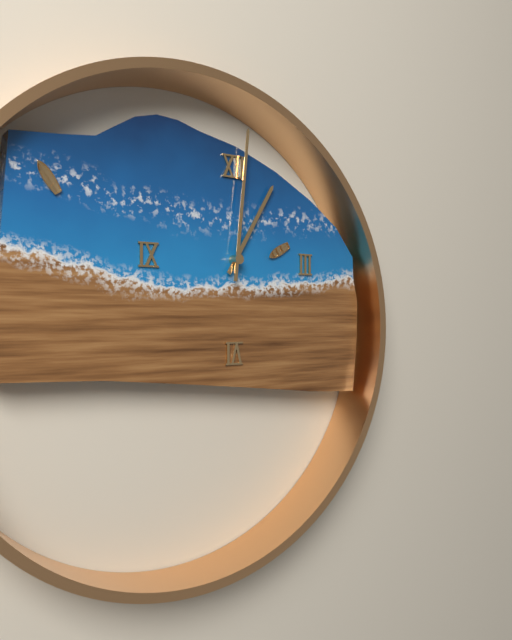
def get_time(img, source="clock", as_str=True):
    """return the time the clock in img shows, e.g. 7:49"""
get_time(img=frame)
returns 1:01
